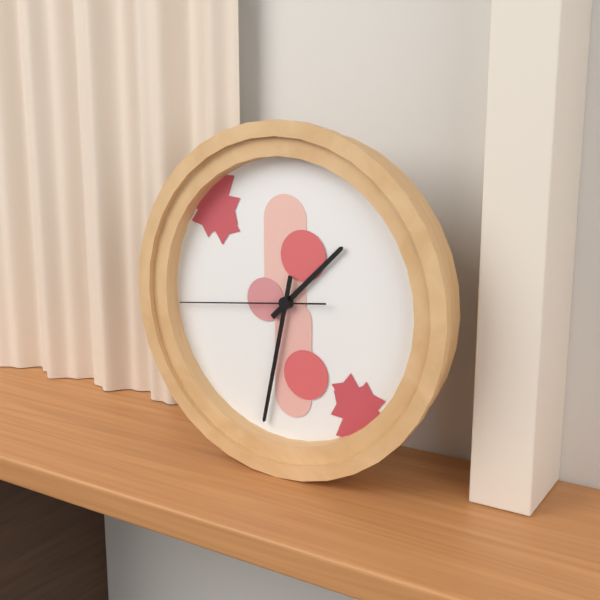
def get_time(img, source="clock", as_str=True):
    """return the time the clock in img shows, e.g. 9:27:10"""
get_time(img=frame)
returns 1:32:44
